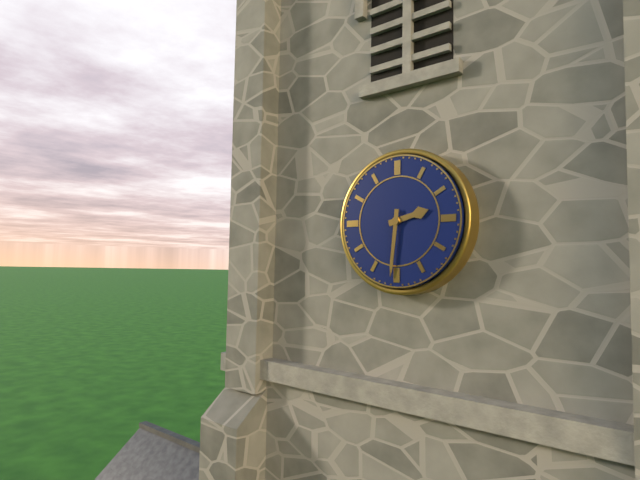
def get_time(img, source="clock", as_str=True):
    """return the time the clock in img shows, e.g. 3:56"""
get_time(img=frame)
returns 2:31
